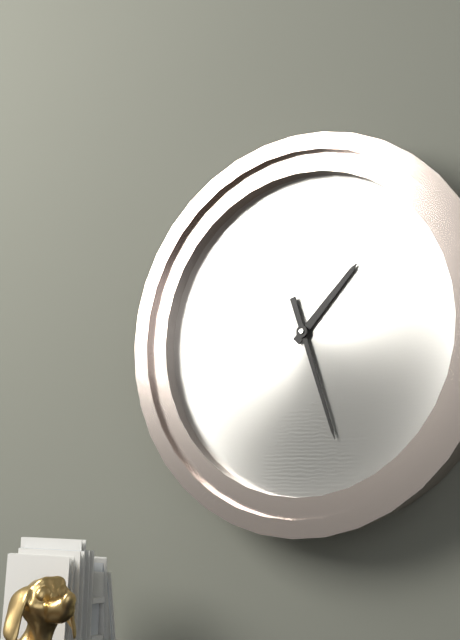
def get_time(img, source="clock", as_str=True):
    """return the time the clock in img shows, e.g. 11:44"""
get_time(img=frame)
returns 1:27
